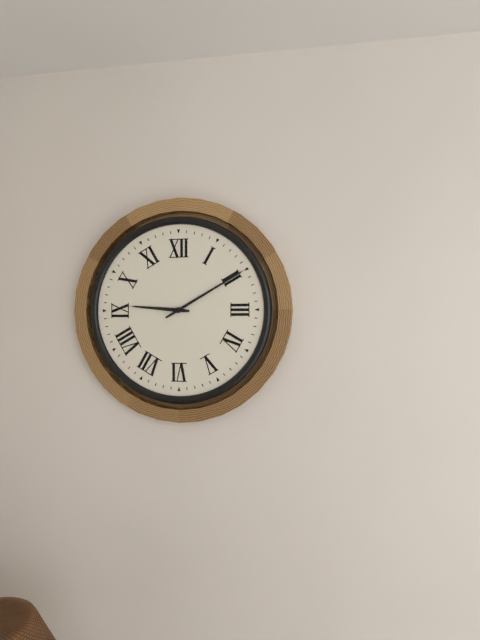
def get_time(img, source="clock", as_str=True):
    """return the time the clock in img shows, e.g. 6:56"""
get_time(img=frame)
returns 9:10
